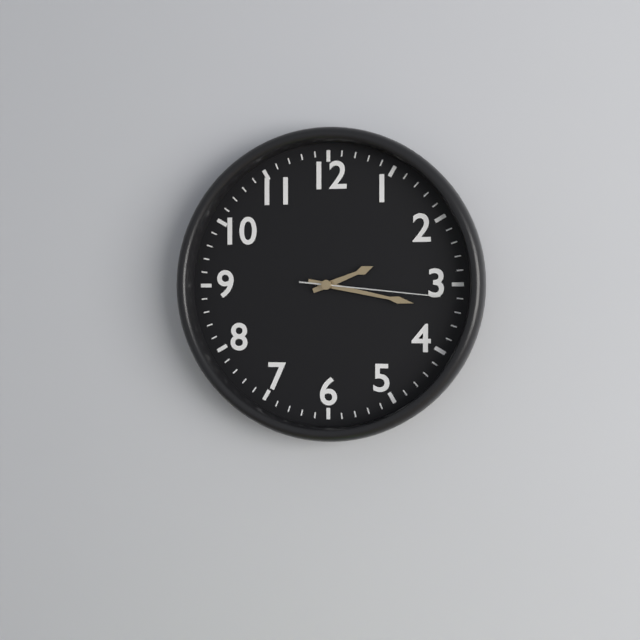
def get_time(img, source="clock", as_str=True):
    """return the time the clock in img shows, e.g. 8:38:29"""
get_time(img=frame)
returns 2:17:16
